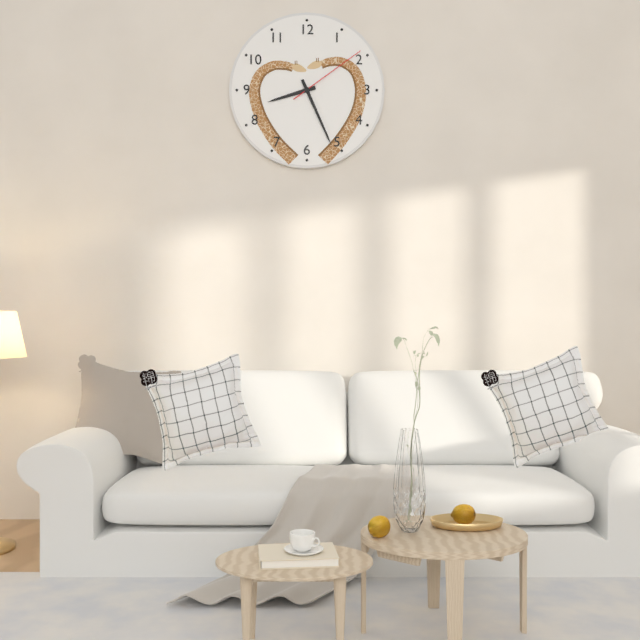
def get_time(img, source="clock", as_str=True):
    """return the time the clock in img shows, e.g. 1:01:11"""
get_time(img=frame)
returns 8:26:09
